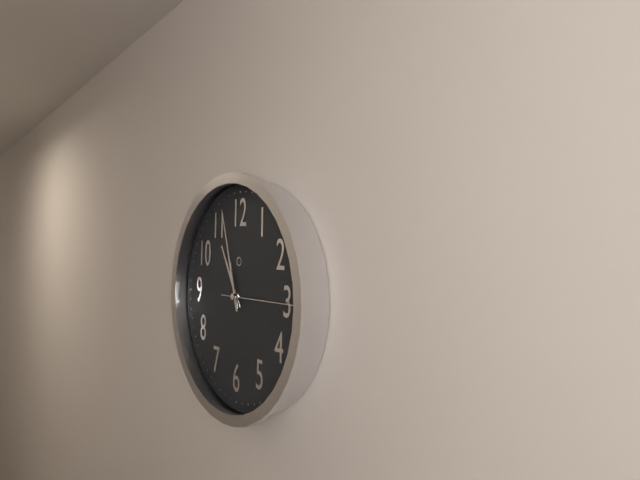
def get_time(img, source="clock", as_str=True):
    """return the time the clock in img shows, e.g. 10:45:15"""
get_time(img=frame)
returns 10:57:15
